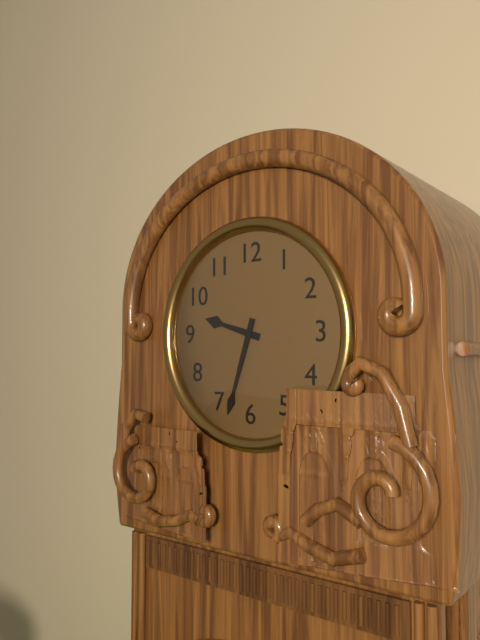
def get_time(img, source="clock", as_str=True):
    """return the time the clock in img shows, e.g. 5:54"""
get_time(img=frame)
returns 9:33
